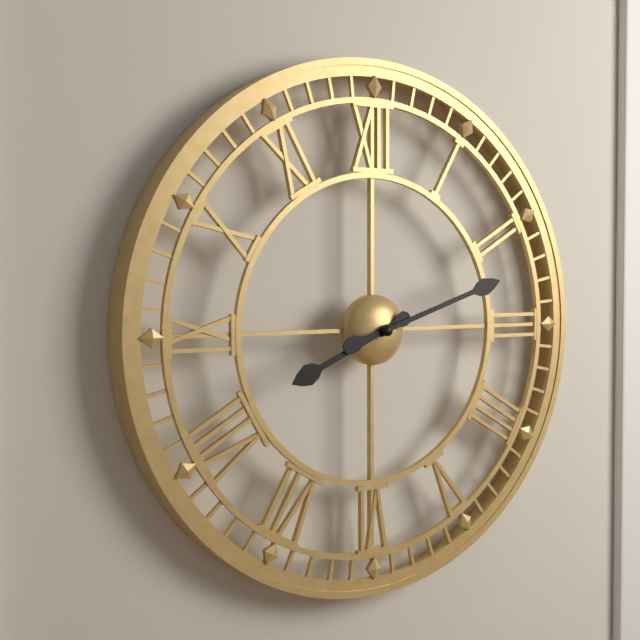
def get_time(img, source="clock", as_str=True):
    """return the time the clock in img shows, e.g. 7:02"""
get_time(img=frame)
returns 8:12
